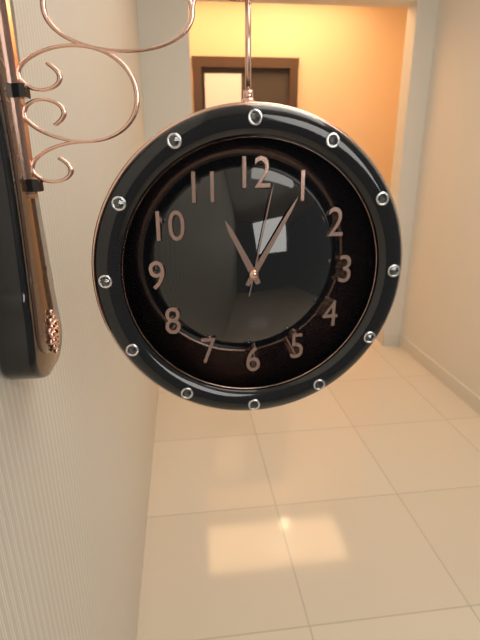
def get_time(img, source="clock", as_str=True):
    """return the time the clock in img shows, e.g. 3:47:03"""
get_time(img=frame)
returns 11:05:02
